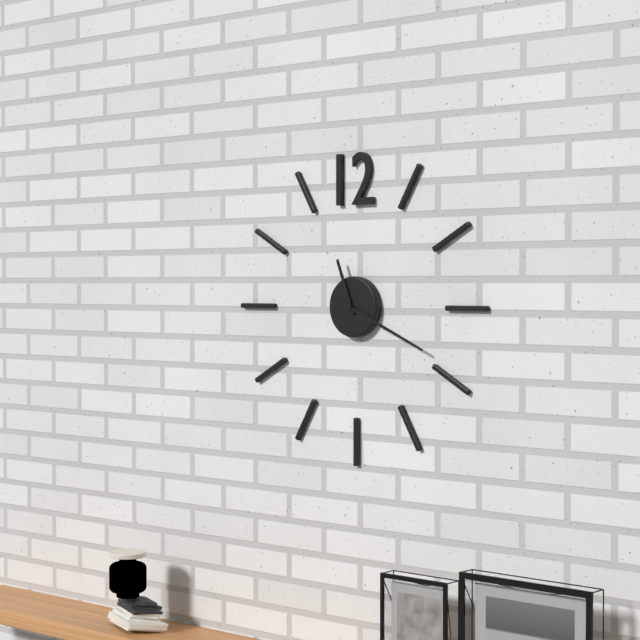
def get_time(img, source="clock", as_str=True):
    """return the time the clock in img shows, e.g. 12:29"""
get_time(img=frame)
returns 11:19
